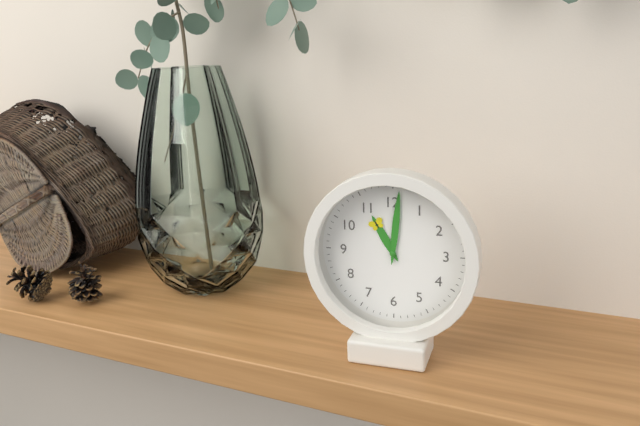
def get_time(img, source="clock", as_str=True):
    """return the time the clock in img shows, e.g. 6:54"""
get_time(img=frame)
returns 11:01
